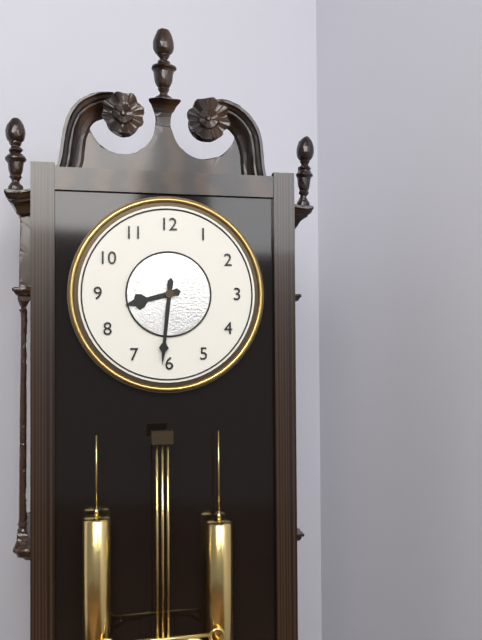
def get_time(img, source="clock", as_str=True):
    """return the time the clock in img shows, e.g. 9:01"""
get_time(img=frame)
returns 8:31
